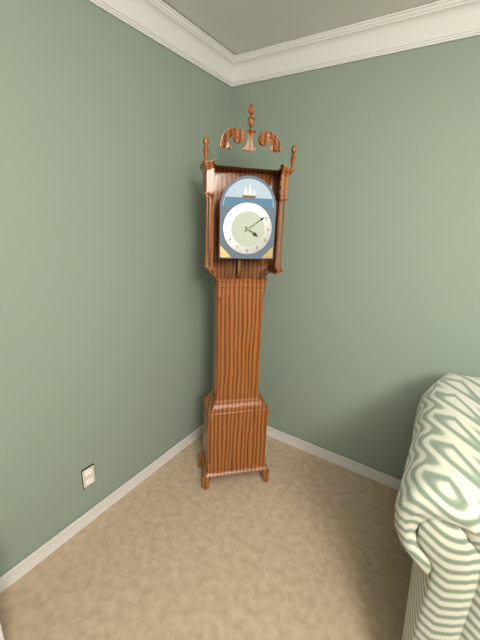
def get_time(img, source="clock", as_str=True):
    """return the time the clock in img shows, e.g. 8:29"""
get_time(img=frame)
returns 4:09
